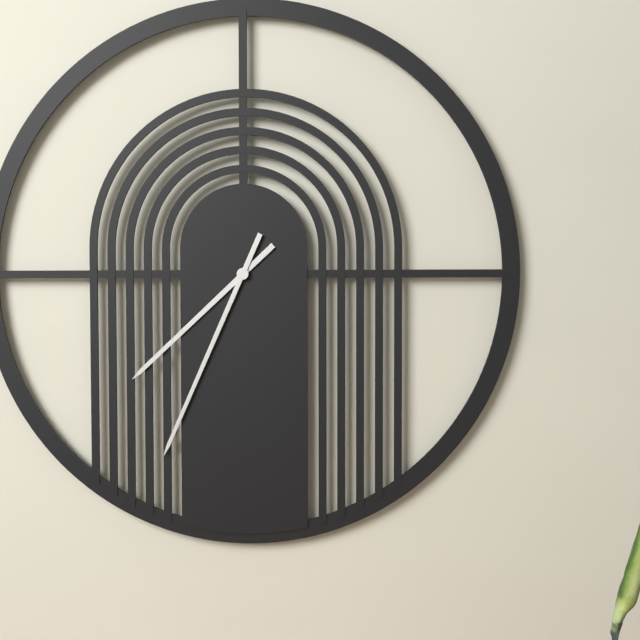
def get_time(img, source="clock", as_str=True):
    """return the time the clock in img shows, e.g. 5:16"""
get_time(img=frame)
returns 7:34
